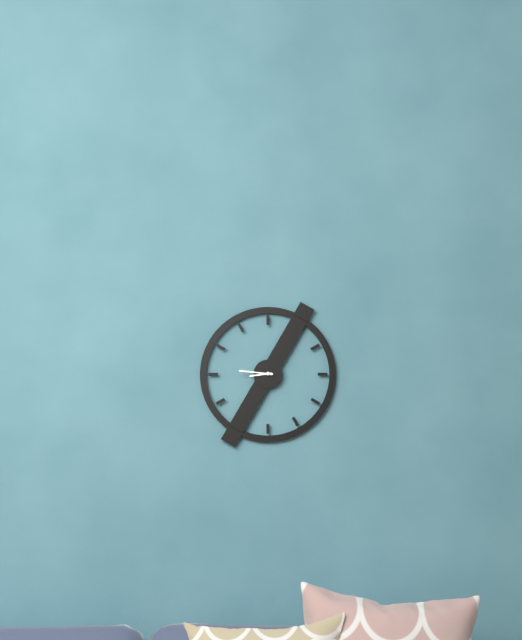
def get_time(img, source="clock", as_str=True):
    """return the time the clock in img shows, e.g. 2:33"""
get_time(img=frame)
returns 8:46
